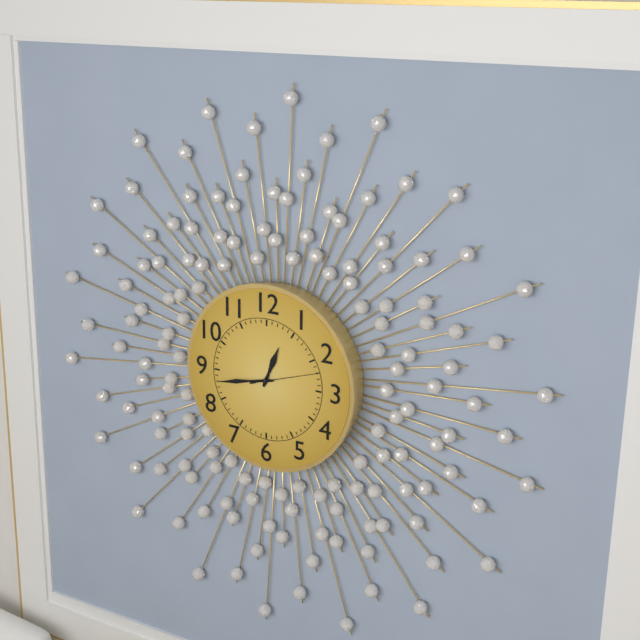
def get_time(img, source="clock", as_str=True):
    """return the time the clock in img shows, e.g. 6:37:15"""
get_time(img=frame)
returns 12:43:12
